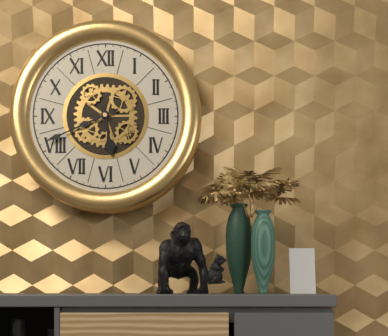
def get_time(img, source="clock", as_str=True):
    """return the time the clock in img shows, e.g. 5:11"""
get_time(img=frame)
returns 5:41
